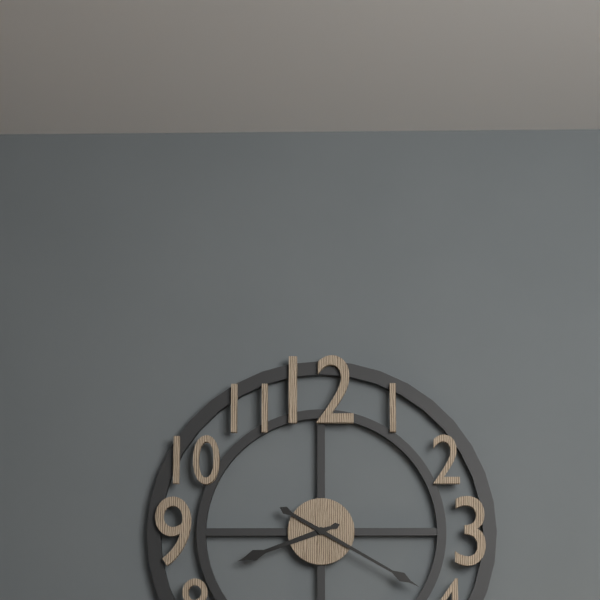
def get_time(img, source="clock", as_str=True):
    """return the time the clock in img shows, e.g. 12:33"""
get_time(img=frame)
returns 8:20
